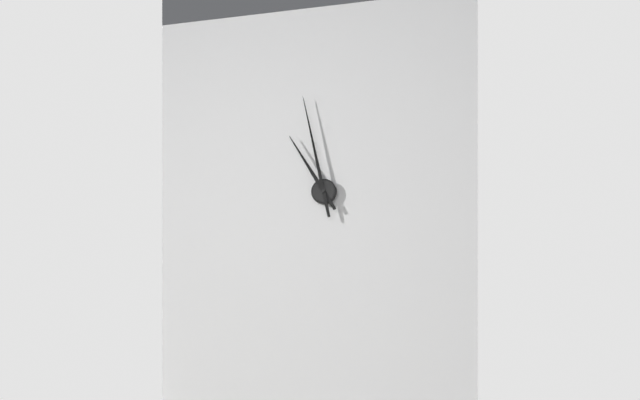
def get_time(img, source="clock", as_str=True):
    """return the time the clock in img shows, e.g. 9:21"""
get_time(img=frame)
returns 10:58
